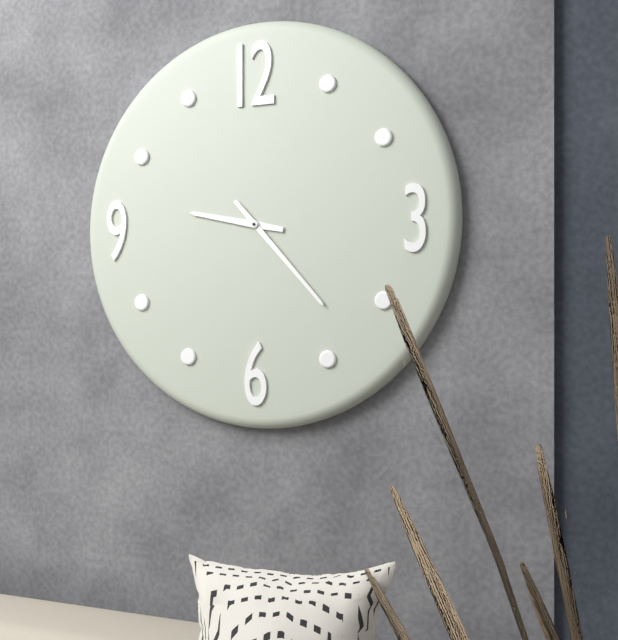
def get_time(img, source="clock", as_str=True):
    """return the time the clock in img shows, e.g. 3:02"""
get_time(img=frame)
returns 9:23
